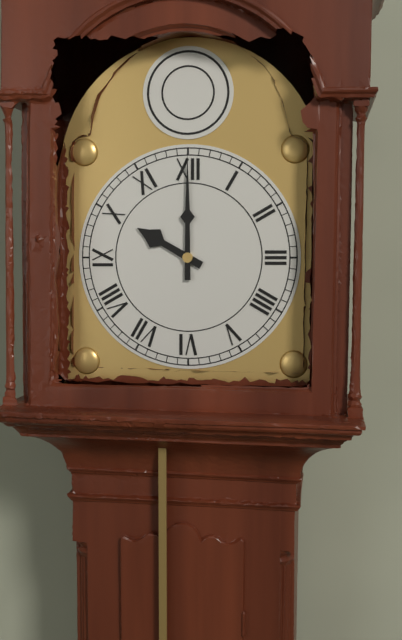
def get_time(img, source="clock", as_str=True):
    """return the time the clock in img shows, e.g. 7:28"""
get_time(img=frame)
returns 10:00
